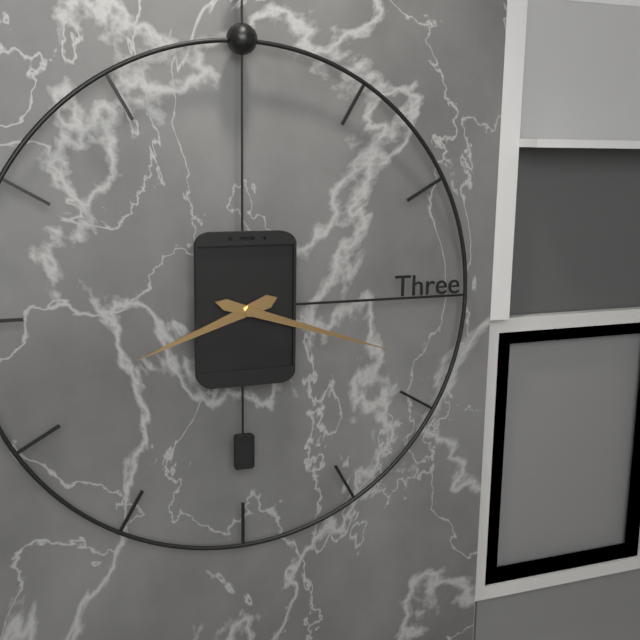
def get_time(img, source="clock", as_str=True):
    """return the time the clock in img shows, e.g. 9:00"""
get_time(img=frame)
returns 8:18
